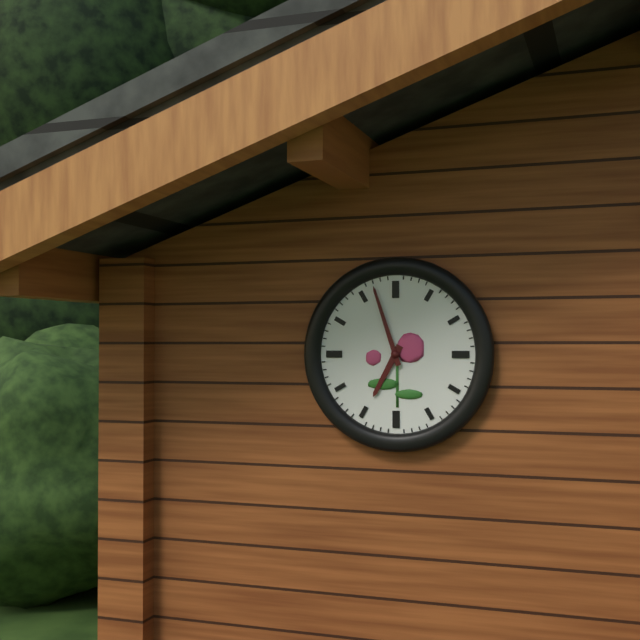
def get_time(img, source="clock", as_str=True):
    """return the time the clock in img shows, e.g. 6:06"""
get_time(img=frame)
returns 6:57
